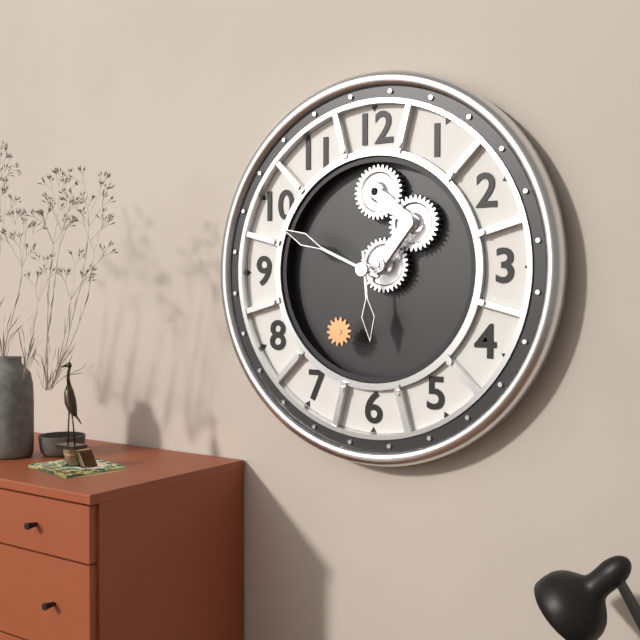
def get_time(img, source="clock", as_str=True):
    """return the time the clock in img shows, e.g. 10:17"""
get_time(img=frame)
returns 5:49
